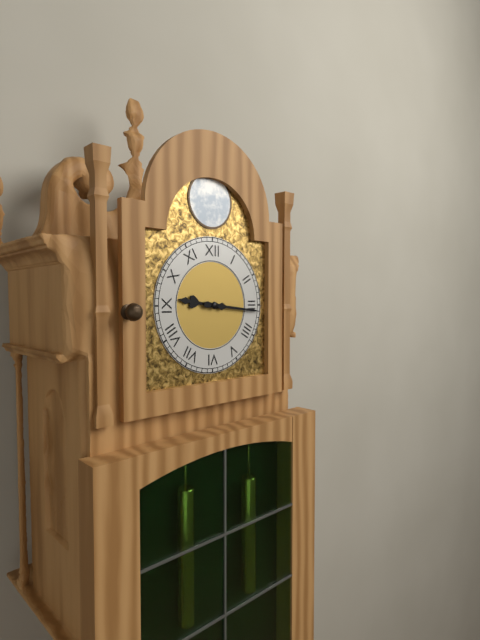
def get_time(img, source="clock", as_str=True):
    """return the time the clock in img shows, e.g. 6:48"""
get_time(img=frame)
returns 9:16
